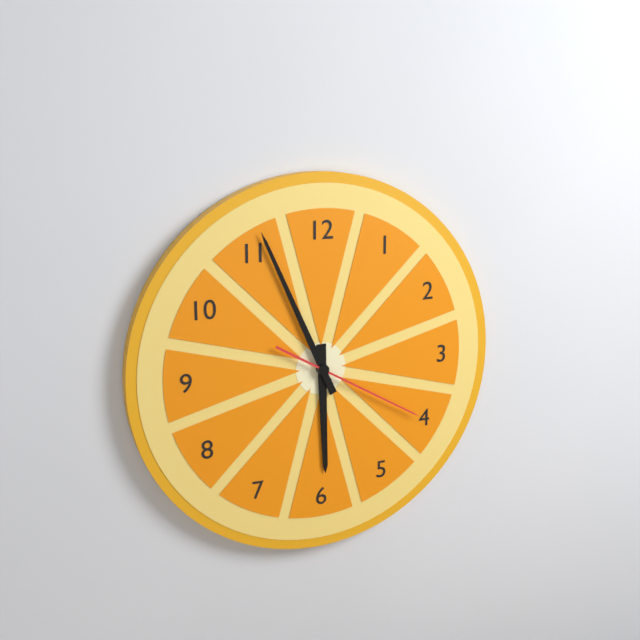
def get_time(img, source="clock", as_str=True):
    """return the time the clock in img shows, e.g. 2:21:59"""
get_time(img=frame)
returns 5:56:20
